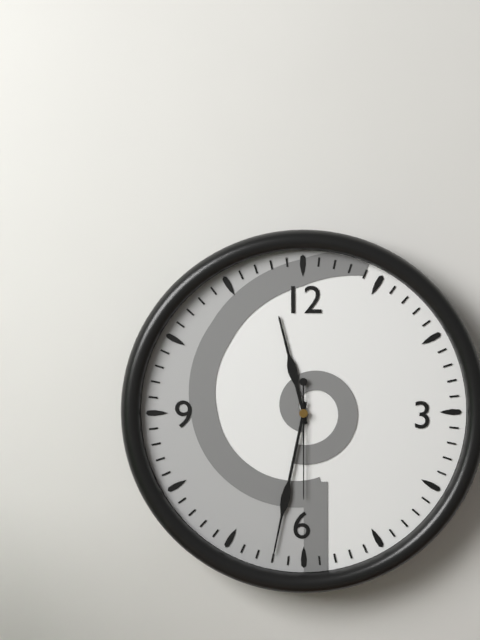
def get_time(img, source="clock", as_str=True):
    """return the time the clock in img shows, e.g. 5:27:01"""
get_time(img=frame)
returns 11:32:30
